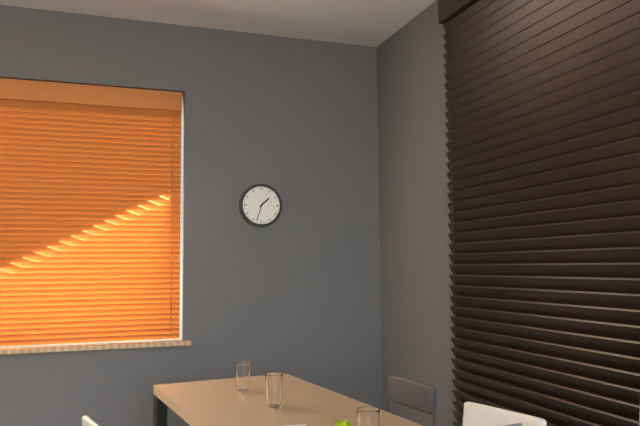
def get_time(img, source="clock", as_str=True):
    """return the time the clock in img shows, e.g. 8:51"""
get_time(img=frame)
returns 1:33
